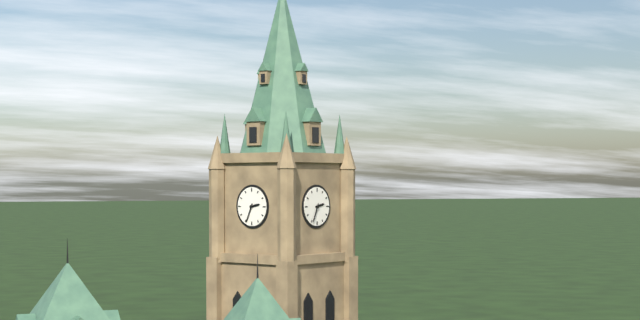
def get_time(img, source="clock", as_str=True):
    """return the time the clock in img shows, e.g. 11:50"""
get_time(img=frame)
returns 2:34
